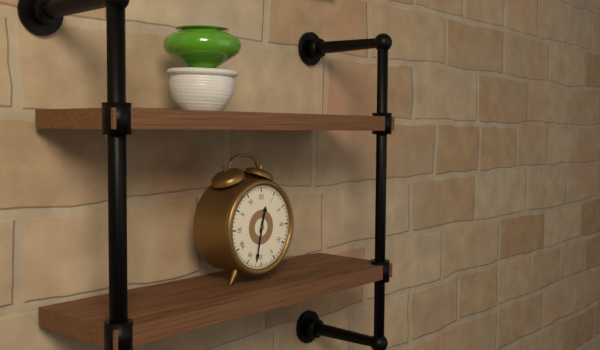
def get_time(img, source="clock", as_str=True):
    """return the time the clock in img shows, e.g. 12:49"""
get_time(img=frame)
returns 12:32
